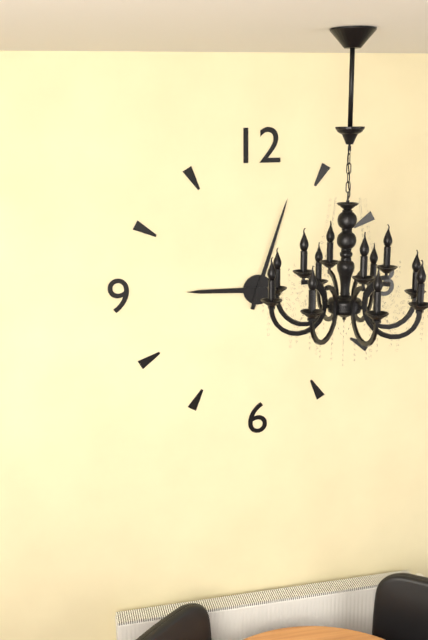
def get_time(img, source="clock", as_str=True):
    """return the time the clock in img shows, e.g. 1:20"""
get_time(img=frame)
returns 9:03
